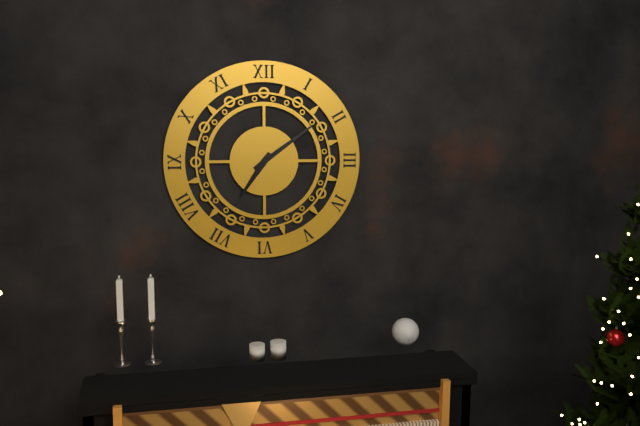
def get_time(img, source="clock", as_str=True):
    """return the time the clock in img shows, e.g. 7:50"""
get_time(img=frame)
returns 7:09
